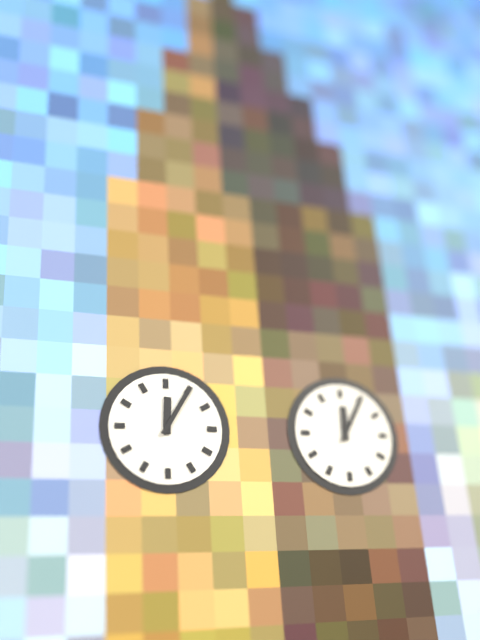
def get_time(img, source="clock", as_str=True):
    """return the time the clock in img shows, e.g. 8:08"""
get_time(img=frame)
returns 12:05
